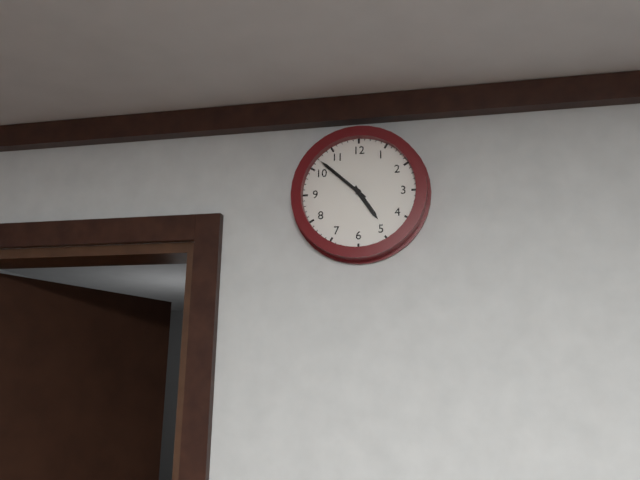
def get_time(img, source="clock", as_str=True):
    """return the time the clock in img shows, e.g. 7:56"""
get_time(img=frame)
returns 4:52
